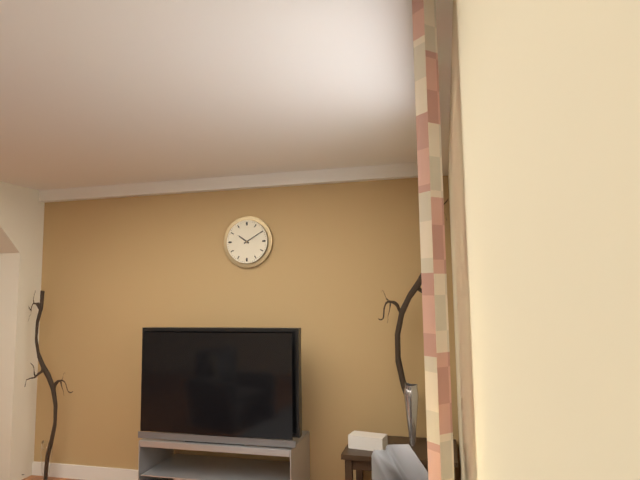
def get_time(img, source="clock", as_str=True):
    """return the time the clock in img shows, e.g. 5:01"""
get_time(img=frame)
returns 10:10
